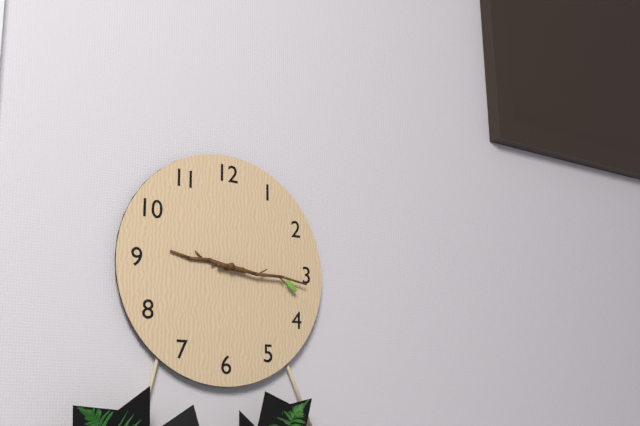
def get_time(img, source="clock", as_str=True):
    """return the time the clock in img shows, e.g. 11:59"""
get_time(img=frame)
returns 9:16
